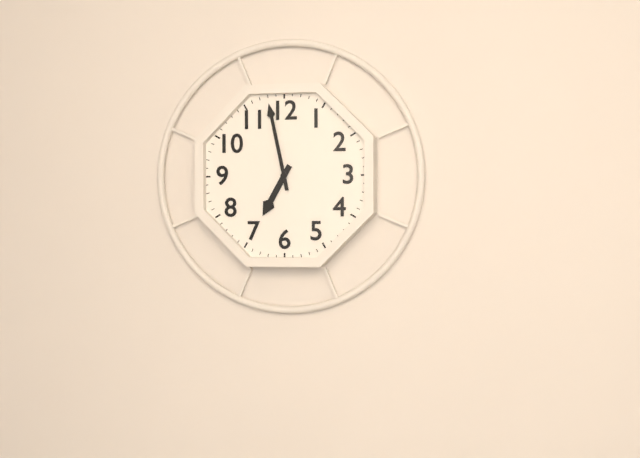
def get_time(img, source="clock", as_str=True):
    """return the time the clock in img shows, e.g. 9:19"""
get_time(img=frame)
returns 6:58
